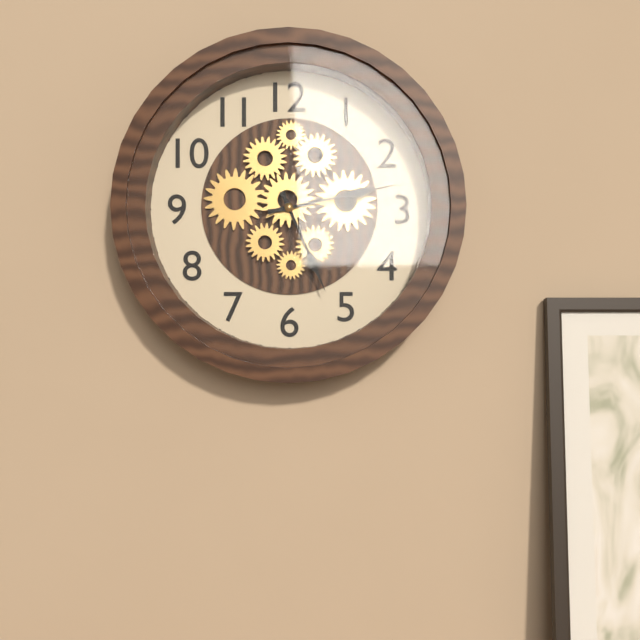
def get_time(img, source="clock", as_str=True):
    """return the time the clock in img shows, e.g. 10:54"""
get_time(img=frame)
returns 5:13
